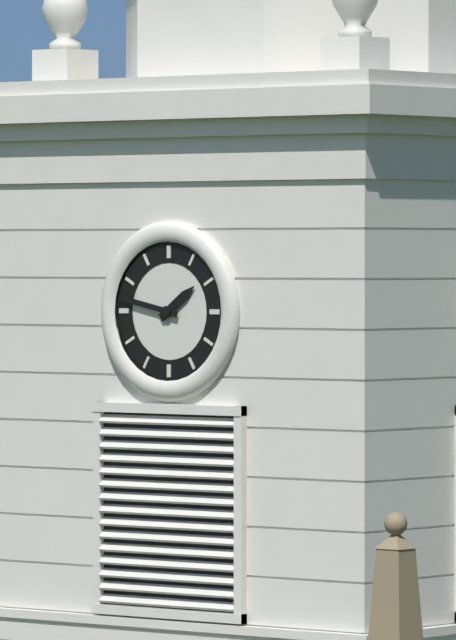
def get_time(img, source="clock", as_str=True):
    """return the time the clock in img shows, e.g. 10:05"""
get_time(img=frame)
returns 1:47
